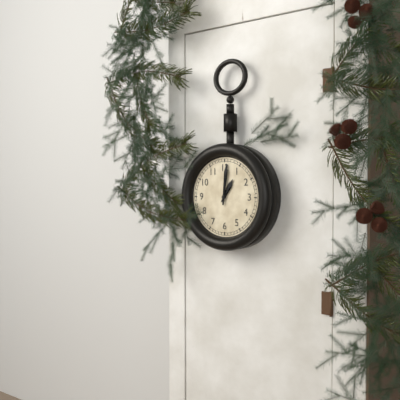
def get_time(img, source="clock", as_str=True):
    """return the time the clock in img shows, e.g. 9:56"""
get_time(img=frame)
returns 1:01
